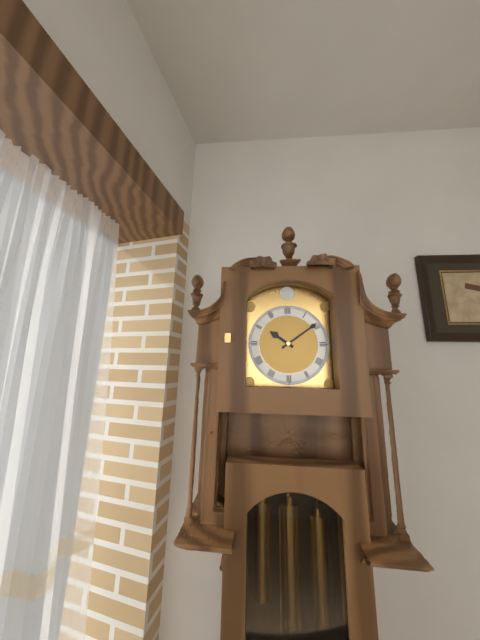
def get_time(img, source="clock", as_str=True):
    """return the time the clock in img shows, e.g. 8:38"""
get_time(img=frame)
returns 10:09
